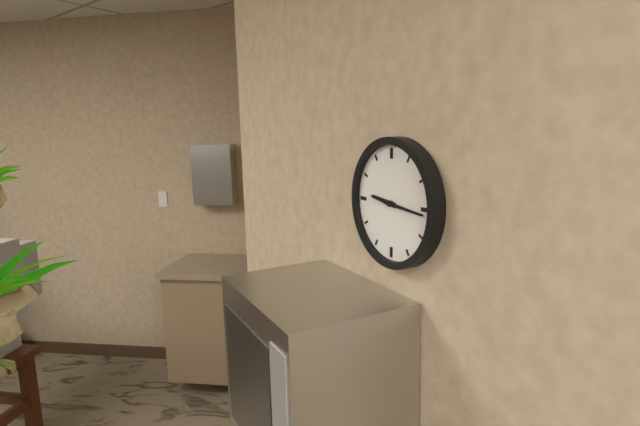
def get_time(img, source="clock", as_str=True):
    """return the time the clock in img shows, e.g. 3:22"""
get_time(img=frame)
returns 9:16
